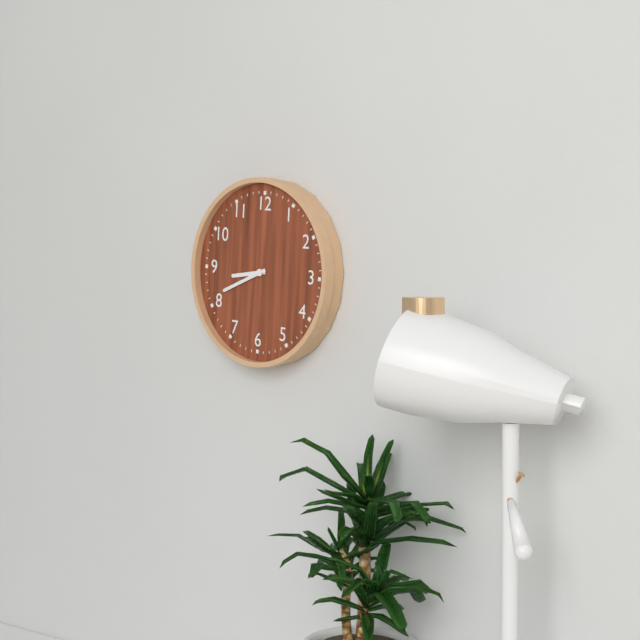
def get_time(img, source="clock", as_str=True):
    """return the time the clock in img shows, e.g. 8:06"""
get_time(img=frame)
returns 8:41
